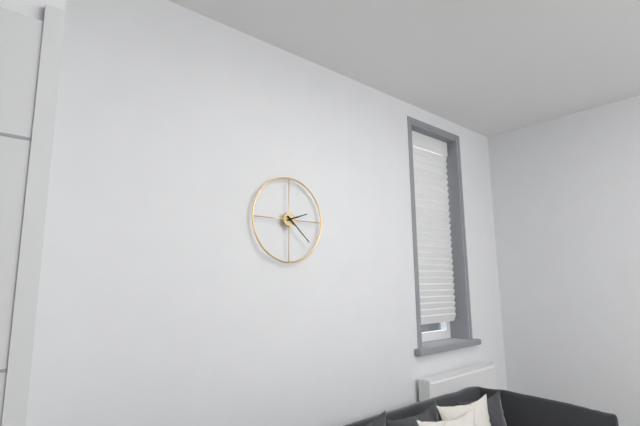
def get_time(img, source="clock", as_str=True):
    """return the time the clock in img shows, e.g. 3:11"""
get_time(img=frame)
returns 2:22
